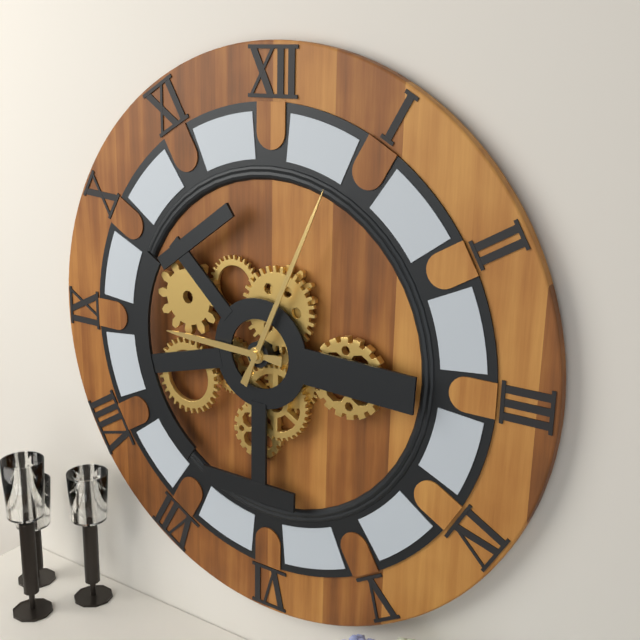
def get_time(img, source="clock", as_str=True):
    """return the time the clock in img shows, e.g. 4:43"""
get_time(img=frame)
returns 9:04
